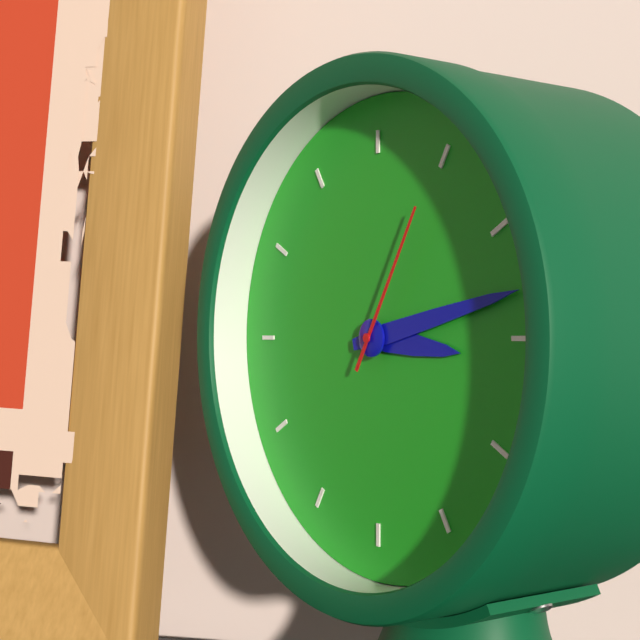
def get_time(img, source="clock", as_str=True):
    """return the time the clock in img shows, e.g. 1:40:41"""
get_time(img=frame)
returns 3:13:05
